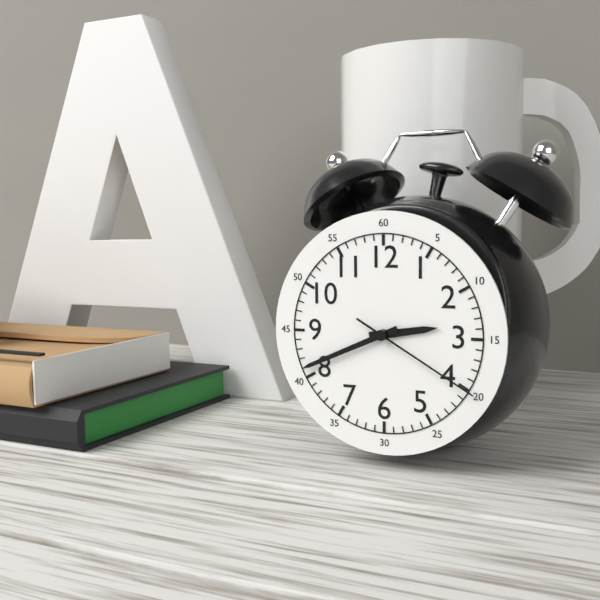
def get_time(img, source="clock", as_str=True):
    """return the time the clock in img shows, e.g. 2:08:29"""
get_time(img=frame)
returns 2:41:20
